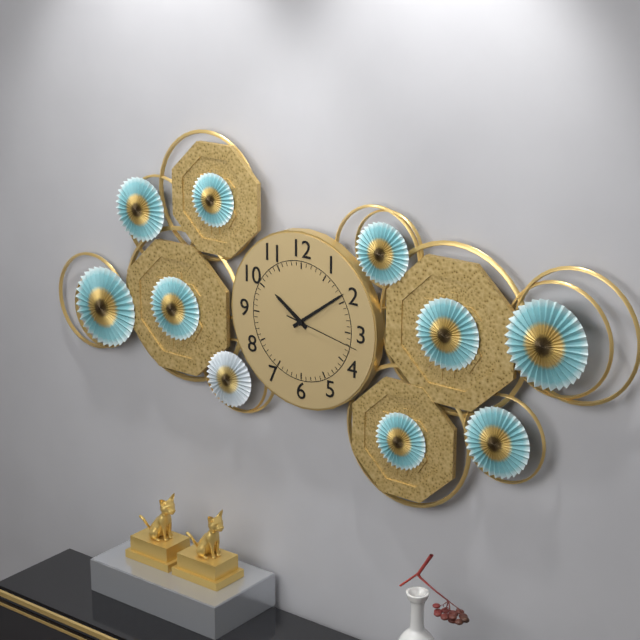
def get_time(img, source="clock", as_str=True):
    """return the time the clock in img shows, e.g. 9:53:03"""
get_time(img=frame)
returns 10:09:17
